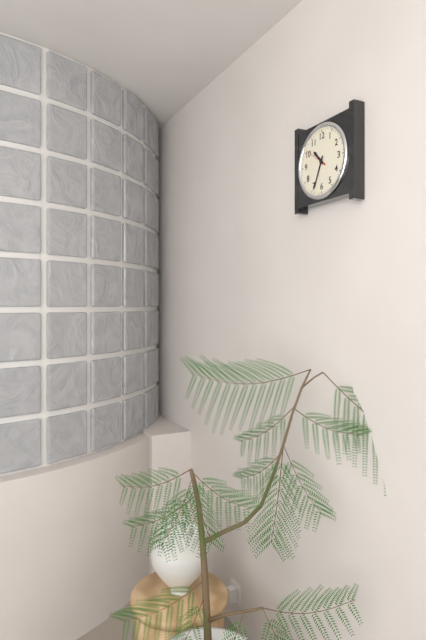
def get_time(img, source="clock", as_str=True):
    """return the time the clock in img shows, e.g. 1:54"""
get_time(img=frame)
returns 10:34
